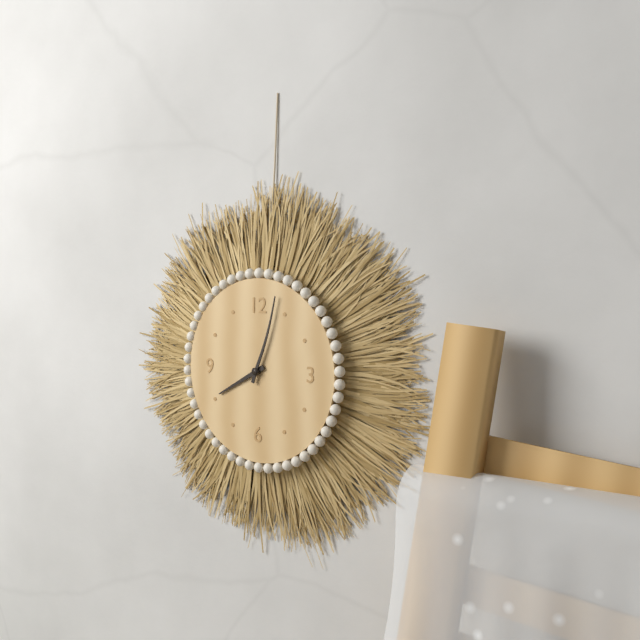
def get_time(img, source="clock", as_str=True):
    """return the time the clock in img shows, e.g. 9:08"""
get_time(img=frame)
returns 8:03
